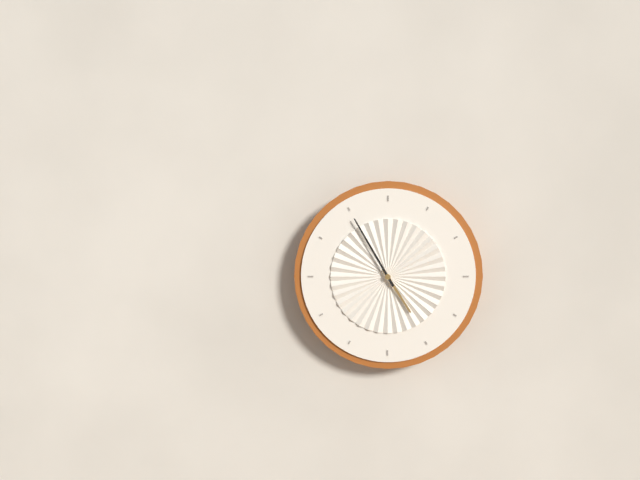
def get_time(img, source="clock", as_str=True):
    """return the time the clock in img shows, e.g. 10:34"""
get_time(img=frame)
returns 4:55
